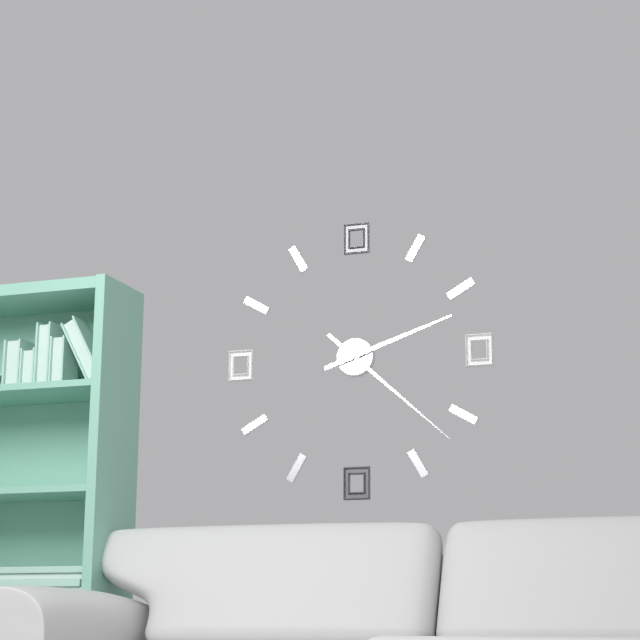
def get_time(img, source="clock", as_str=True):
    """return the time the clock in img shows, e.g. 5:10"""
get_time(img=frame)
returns 2:22
